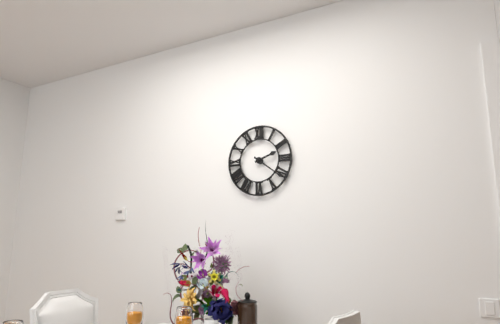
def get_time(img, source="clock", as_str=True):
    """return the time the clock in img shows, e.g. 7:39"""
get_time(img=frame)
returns 2:21
